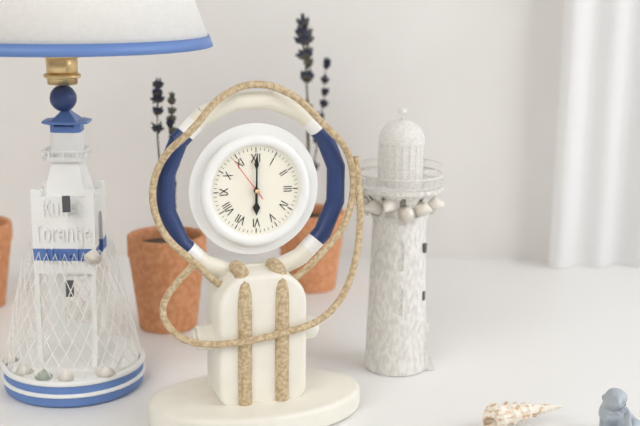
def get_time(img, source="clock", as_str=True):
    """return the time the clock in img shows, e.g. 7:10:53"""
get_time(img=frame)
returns 6:00:54
